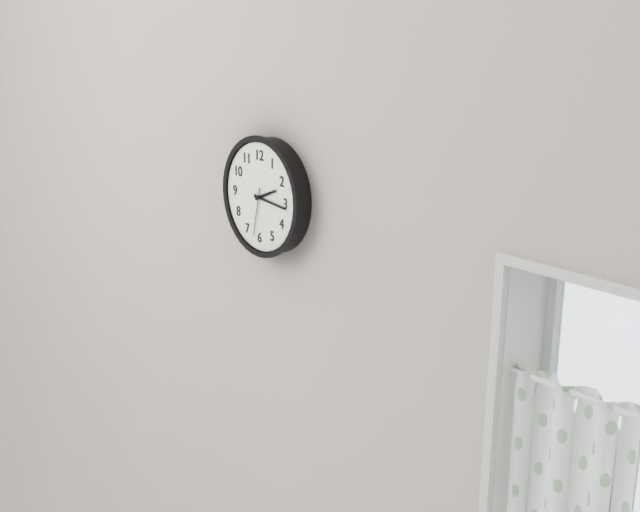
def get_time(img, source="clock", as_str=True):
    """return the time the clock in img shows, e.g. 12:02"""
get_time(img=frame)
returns 2:16
